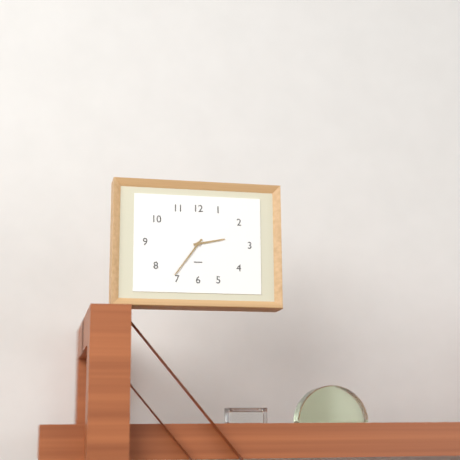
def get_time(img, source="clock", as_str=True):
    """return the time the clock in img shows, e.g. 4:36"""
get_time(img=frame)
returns 2:36
